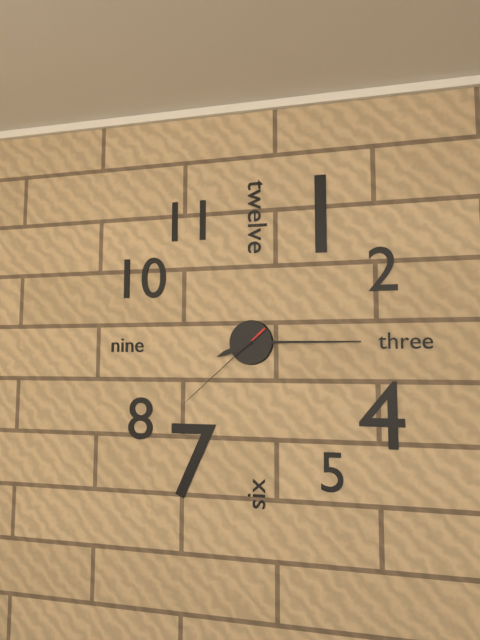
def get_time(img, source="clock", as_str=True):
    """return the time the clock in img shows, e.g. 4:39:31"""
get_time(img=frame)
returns 8:15:38
